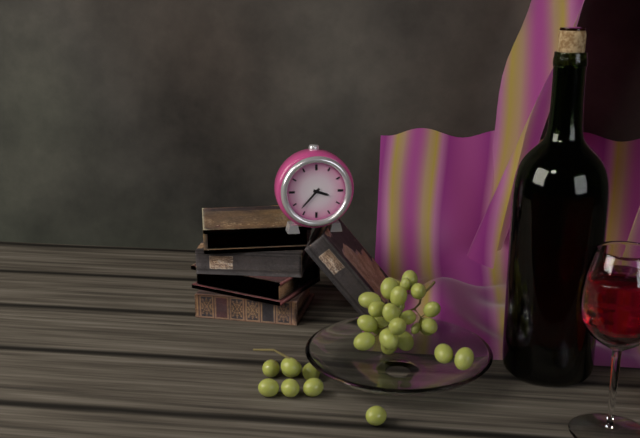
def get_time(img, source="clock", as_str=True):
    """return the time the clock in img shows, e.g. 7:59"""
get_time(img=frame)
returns 3:37
